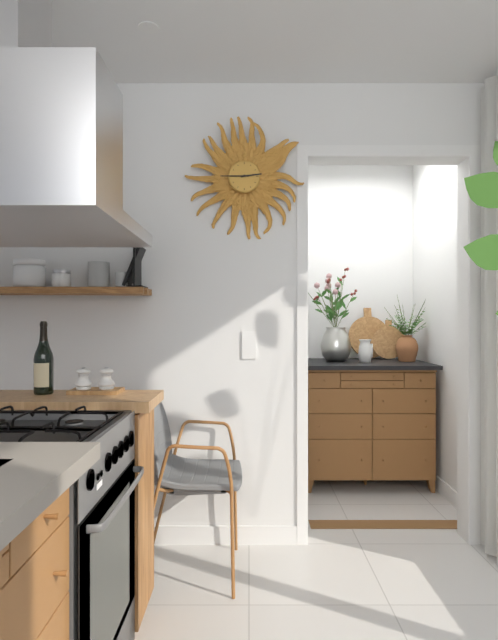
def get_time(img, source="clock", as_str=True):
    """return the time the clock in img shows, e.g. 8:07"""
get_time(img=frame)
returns 2:45
